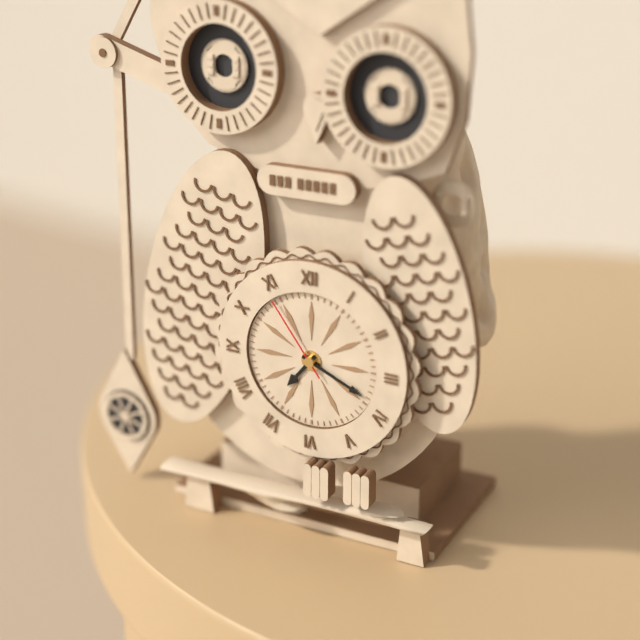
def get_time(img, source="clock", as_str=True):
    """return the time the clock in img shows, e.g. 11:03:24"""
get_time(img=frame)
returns 7:19:54
